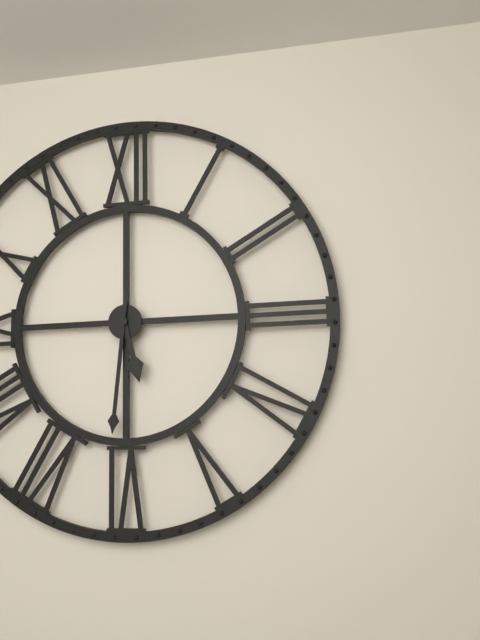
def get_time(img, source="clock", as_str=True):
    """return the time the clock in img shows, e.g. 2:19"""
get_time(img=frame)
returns 5:31
